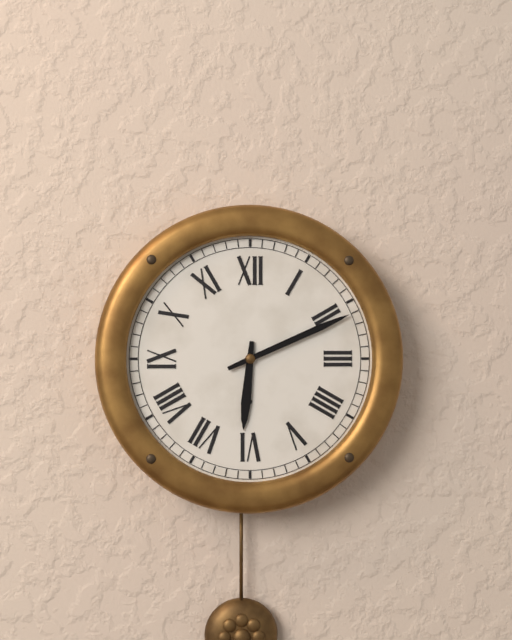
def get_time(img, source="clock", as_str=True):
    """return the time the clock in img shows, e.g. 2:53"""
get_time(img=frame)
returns 6:11
